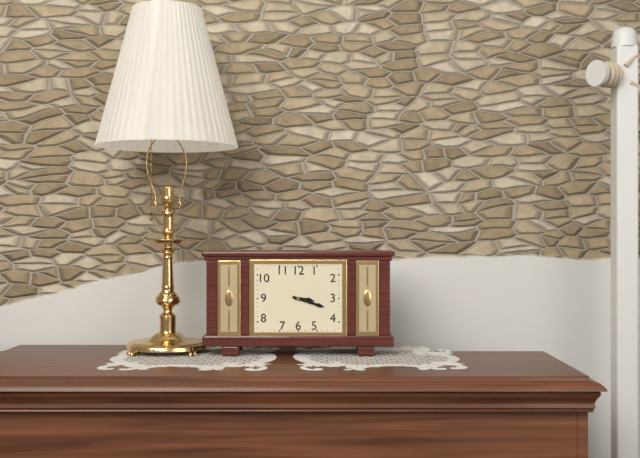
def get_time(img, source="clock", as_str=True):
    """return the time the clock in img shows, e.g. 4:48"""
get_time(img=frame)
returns 3:18
